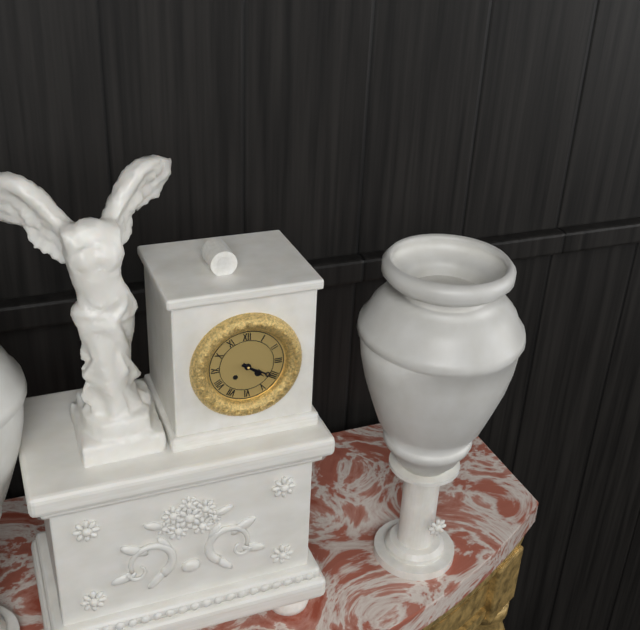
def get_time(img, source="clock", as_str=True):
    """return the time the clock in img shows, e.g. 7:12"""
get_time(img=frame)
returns 4:20
